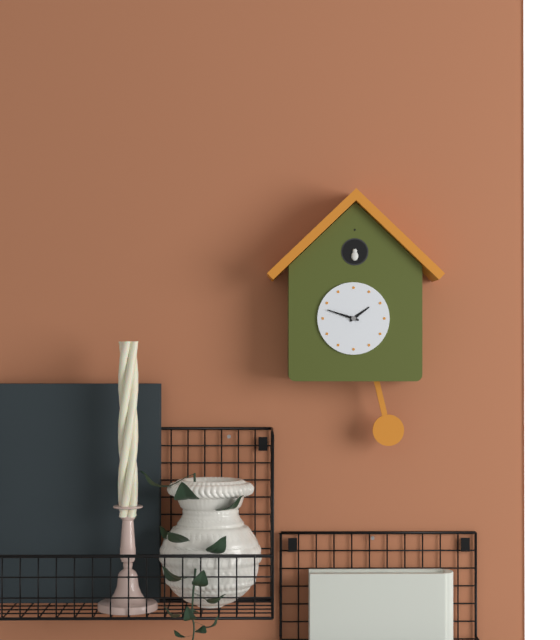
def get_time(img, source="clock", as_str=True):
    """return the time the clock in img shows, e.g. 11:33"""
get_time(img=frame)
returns 1:48
